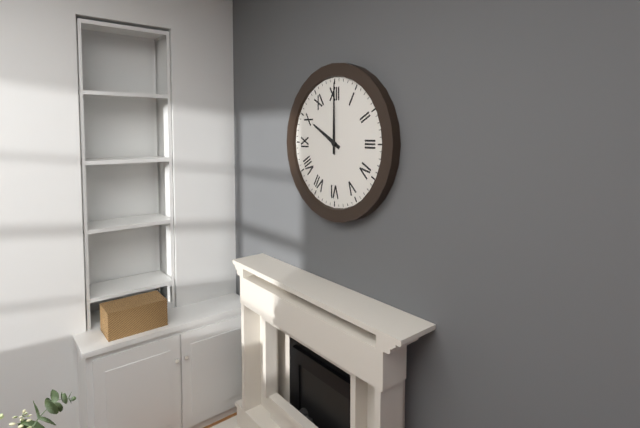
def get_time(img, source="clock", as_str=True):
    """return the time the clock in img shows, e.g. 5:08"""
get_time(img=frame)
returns 10:00
